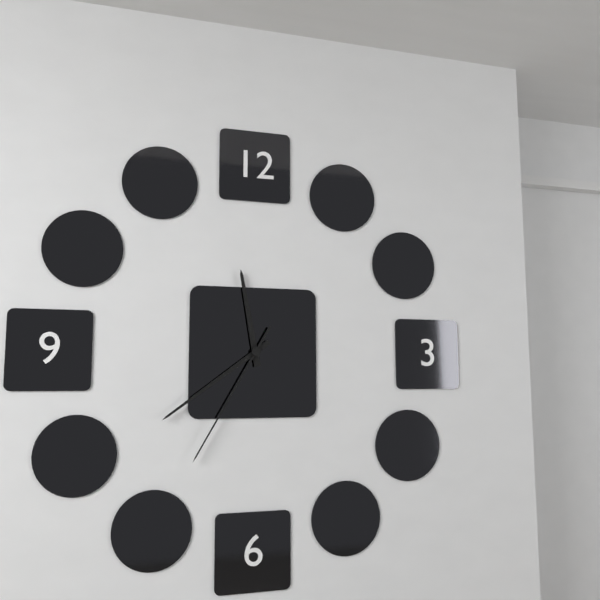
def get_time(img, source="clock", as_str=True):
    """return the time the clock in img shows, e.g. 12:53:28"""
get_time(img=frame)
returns 11:39:35
